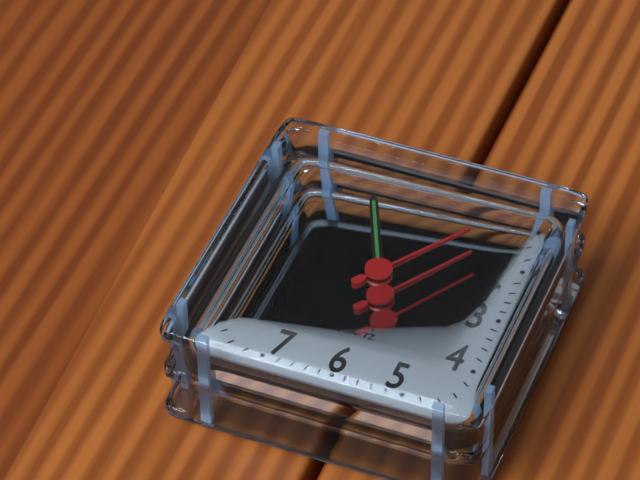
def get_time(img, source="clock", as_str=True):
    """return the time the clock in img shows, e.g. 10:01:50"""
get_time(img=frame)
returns 5:56:06
